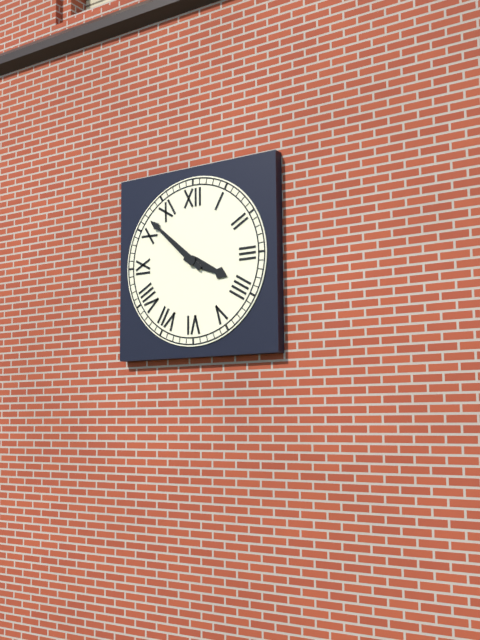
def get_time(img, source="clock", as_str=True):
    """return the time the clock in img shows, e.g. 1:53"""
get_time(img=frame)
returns 3:52
